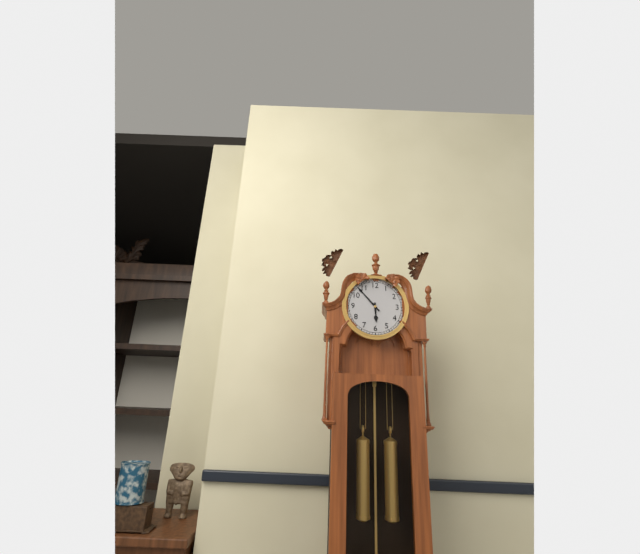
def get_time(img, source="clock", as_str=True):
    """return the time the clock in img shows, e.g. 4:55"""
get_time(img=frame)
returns 5:53
